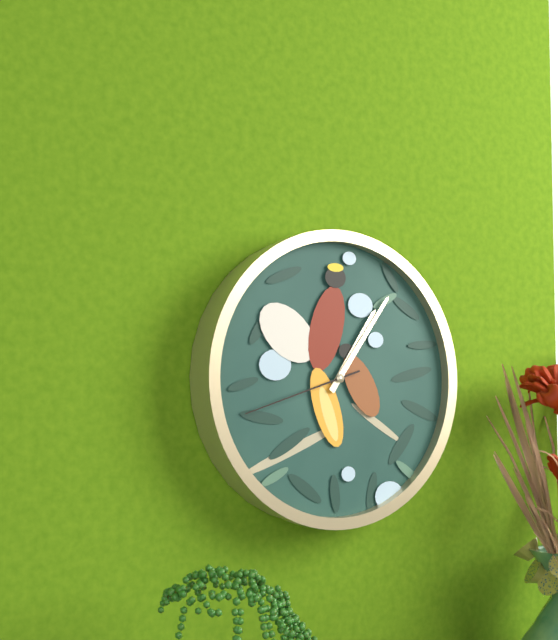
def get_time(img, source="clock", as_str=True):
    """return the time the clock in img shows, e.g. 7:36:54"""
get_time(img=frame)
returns 1:06:42
